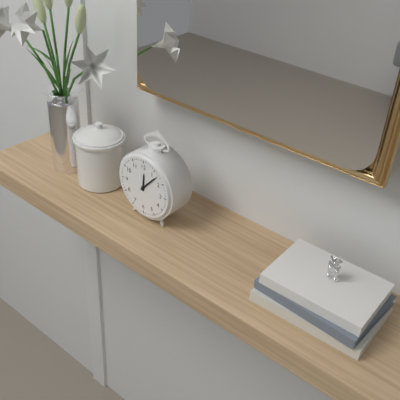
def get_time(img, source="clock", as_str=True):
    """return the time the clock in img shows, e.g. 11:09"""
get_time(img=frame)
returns 12:07
